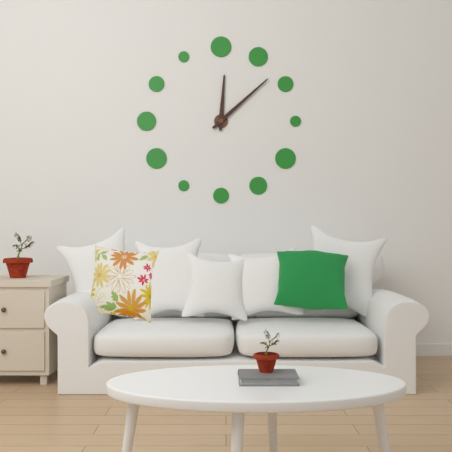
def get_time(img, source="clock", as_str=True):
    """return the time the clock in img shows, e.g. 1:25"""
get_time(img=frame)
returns 12:08
